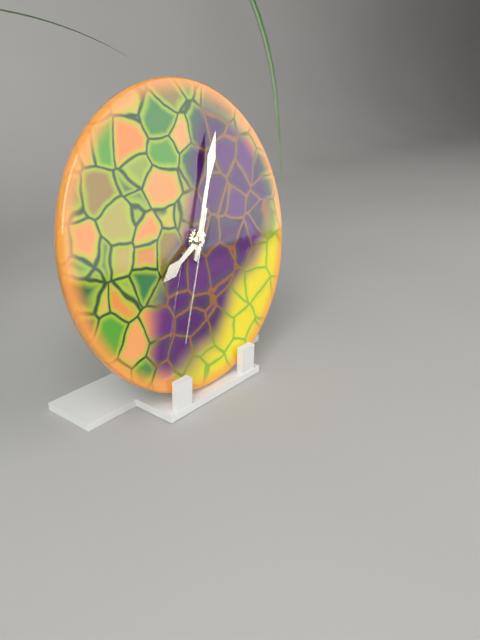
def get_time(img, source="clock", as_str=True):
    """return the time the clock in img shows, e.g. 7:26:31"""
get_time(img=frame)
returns 8:04:34
